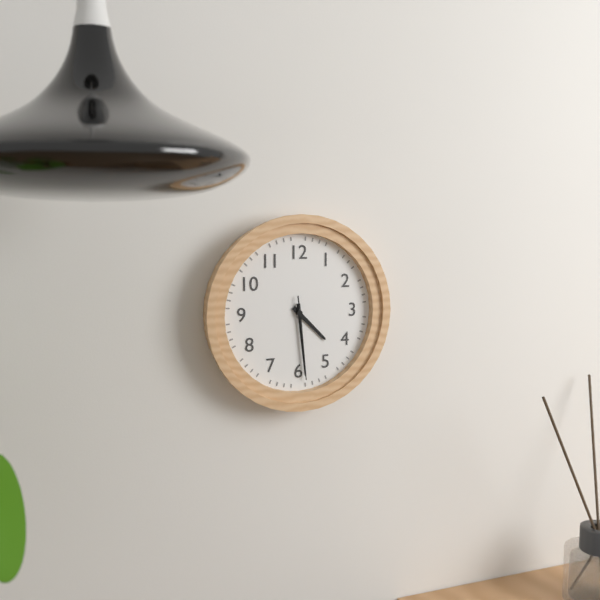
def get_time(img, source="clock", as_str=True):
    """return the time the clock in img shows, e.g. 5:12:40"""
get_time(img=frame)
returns 4:29:29
